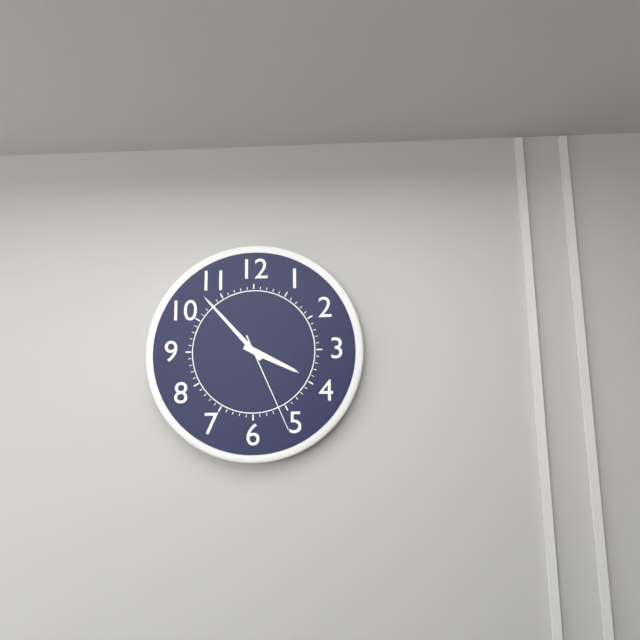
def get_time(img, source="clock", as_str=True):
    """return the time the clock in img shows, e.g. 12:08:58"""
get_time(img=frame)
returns 3:53:26
